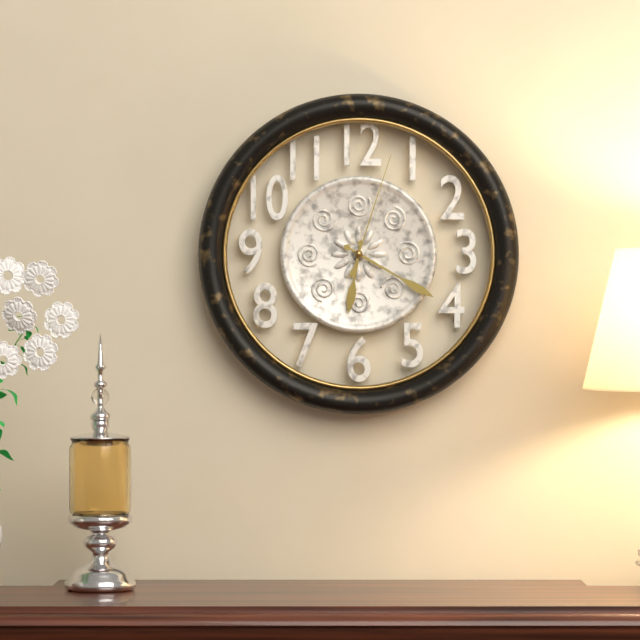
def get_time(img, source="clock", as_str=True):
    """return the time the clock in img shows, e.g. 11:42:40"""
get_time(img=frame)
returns 6:20:03
